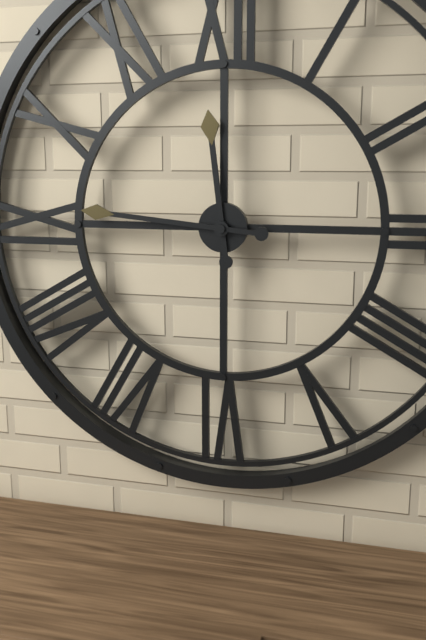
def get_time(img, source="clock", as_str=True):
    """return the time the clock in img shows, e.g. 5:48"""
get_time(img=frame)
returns 11:46
